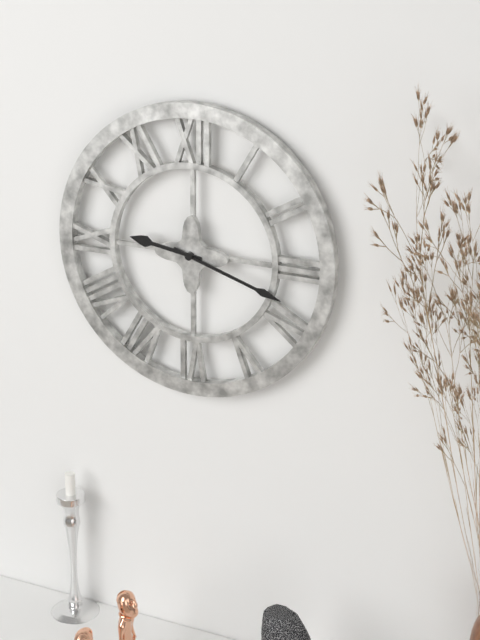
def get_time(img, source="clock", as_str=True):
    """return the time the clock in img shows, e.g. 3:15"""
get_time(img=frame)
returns 9:18
